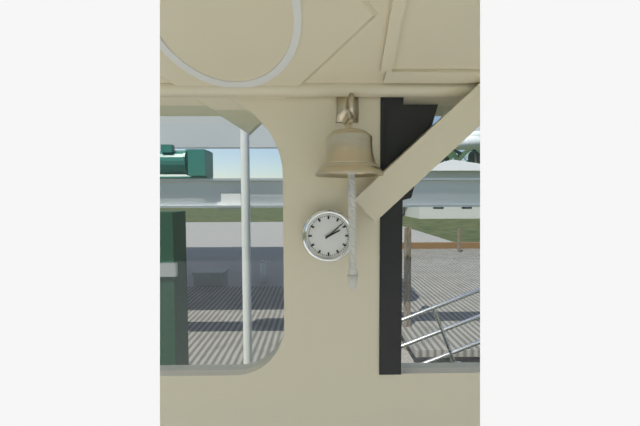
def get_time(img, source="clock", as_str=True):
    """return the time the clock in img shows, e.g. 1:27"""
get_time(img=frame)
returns 2:08
